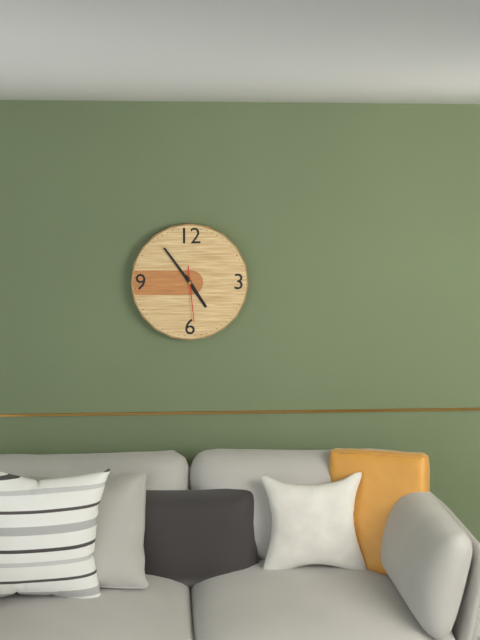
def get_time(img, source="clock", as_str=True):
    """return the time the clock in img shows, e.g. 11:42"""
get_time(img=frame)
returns 4:54
